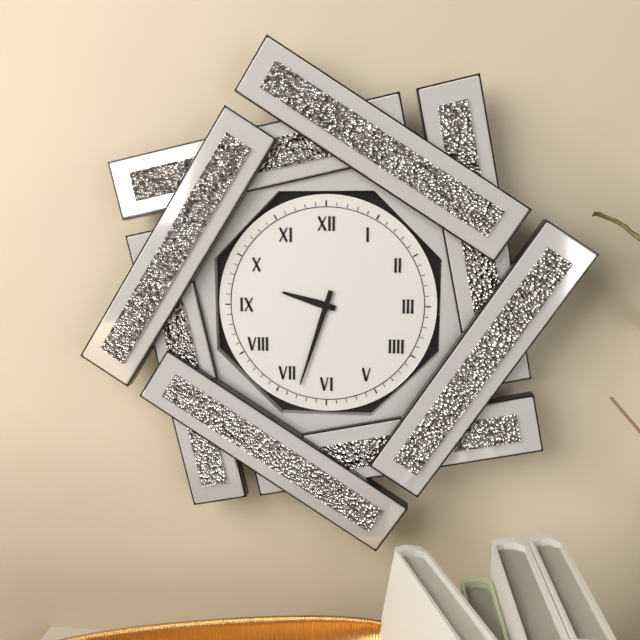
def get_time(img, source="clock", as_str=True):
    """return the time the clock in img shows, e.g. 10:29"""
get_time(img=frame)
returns 9:33
